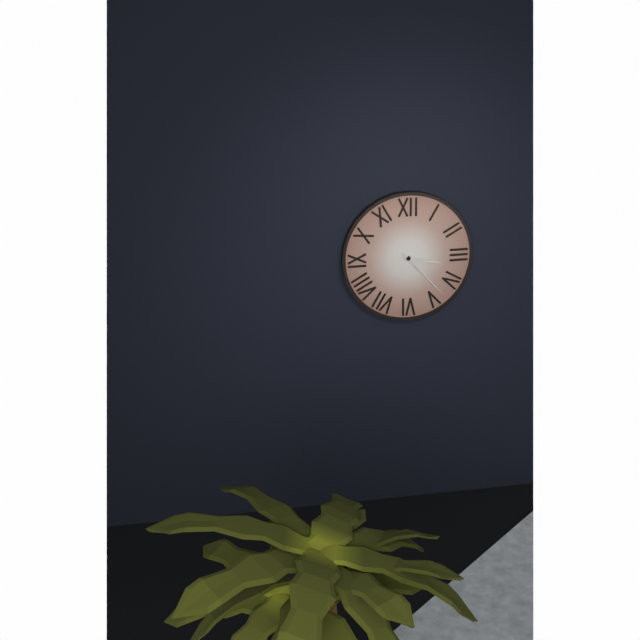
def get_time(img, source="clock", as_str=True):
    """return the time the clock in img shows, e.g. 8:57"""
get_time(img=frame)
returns 3:23
